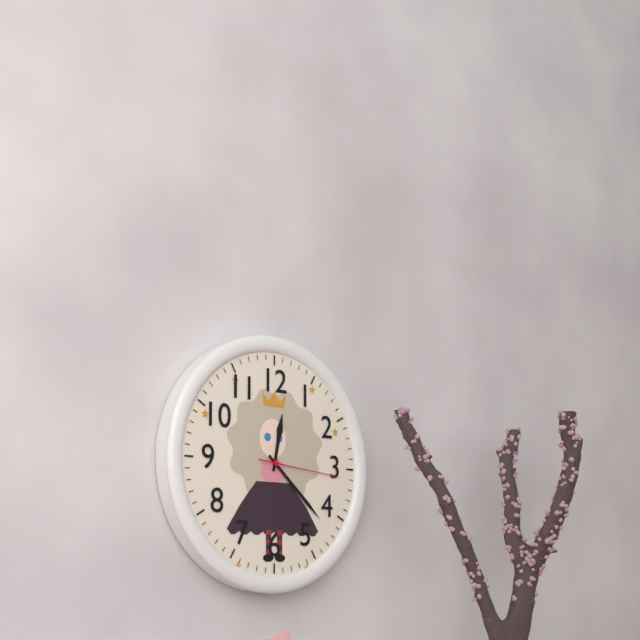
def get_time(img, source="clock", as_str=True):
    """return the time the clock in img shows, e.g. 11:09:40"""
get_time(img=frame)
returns 12:22:16
